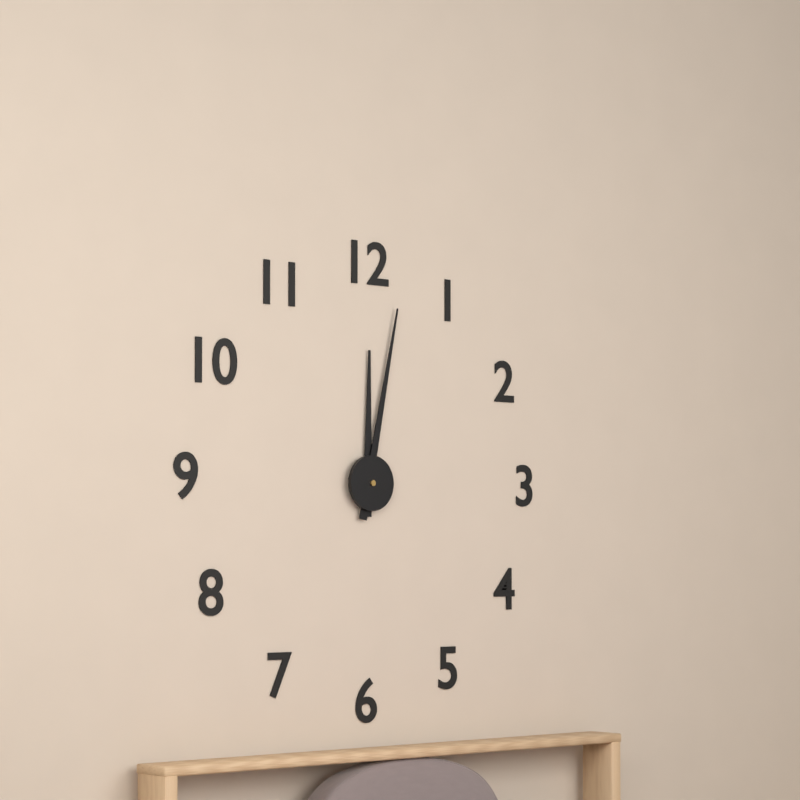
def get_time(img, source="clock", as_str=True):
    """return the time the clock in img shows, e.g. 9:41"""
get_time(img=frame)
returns 12:02
